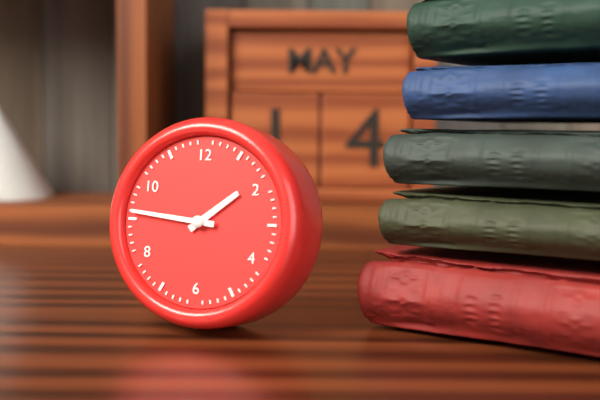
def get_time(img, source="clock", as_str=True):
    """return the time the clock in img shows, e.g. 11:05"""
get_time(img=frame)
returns 1:46
